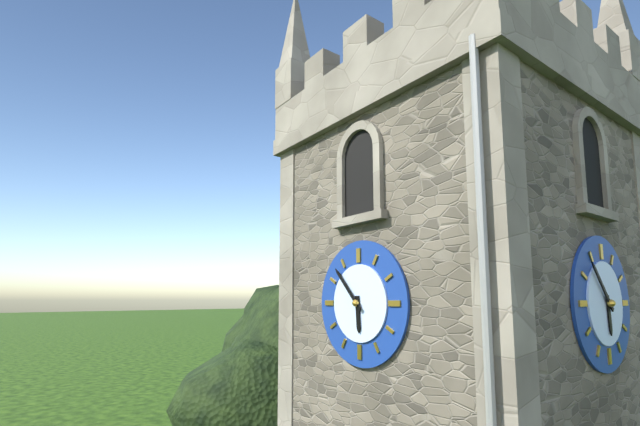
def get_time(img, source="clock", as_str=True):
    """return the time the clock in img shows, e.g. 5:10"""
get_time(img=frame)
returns 5:53
